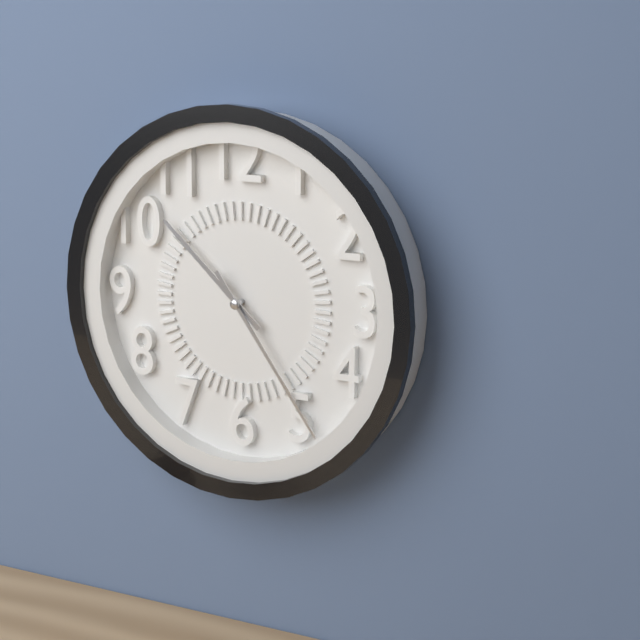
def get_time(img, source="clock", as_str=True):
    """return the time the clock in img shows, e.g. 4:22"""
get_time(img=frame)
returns 10:24
